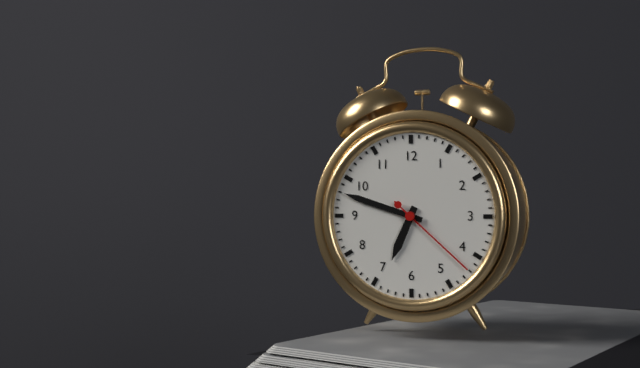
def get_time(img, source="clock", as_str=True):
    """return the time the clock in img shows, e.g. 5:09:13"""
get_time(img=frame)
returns 6:48:22
